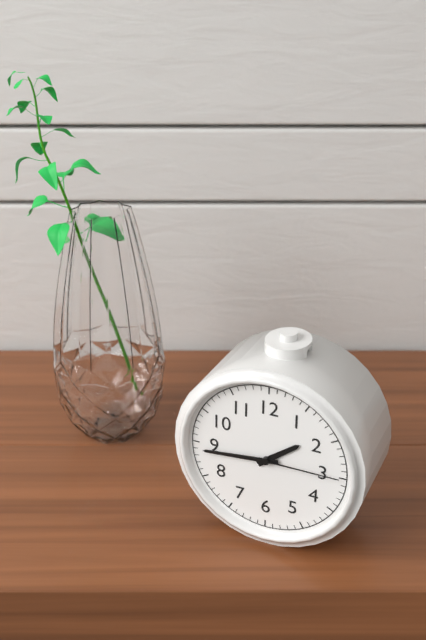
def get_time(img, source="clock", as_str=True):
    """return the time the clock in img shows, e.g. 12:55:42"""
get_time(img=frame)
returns 1:44:15
